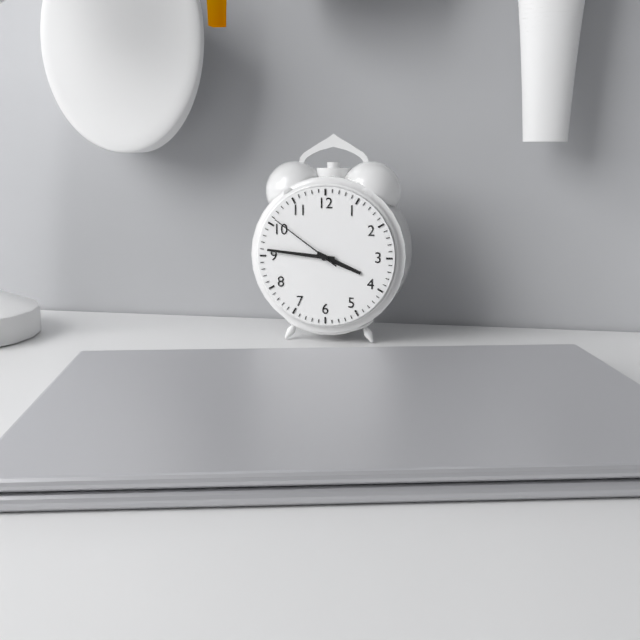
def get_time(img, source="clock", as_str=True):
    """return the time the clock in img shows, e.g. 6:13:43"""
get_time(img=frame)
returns 3:46:51
